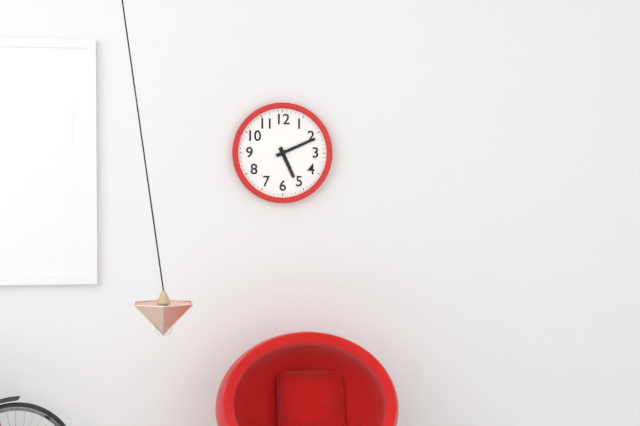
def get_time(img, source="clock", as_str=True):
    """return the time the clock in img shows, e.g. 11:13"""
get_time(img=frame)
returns 5:11
